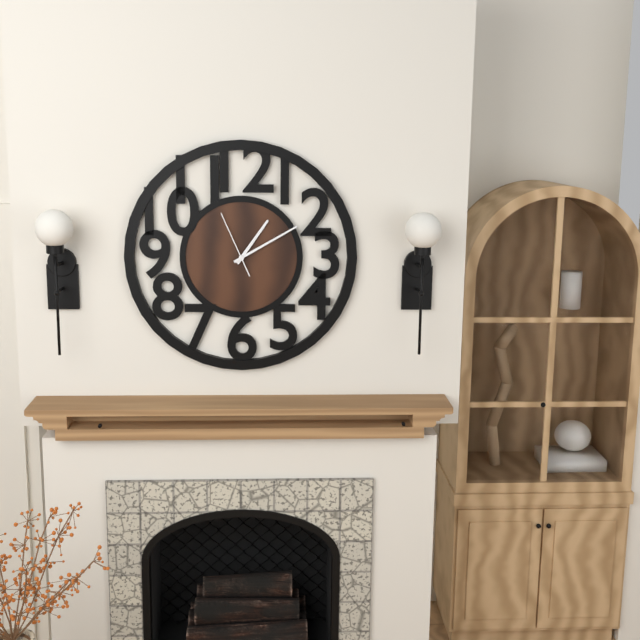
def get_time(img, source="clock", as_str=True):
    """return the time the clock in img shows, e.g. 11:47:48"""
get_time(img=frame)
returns 1:10:56
